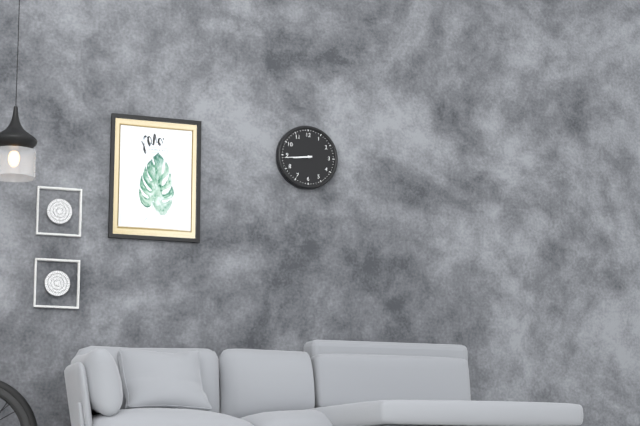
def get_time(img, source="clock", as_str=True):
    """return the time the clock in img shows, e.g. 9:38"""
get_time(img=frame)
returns 8:44
